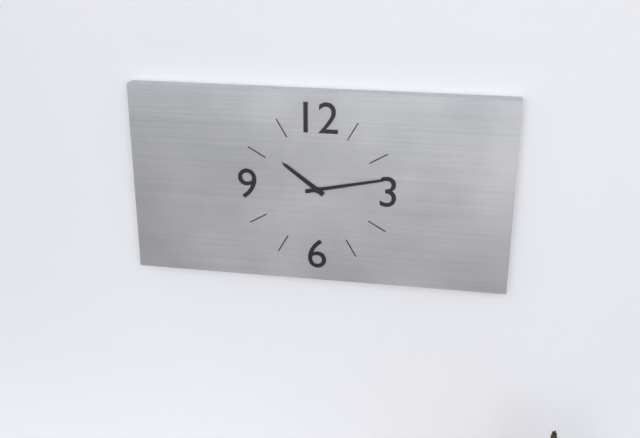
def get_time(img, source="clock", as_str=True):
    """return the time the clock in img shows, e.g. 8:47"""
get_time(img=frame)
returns 10:13
